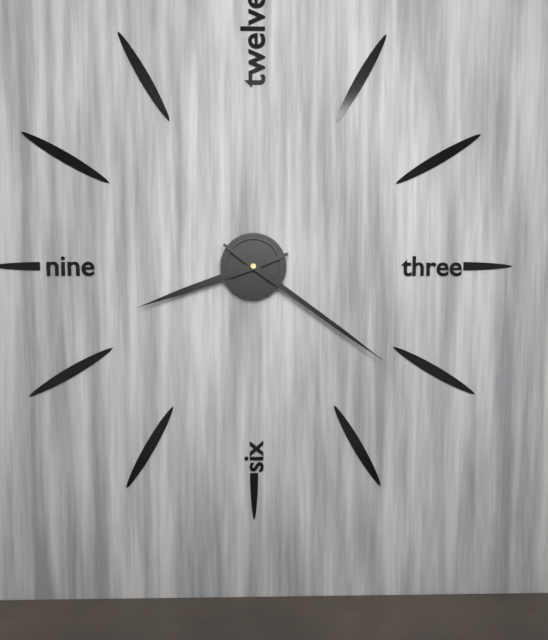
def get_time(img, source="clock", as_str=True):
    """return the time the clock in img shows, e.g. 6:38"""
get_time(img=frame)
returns 8:21
